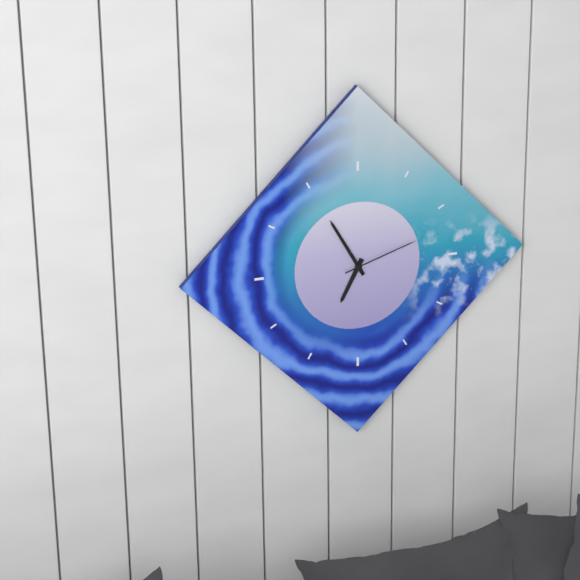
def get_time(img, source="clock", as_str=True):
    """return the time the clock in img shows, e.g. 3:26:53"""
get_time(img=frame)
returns 6:55:12
